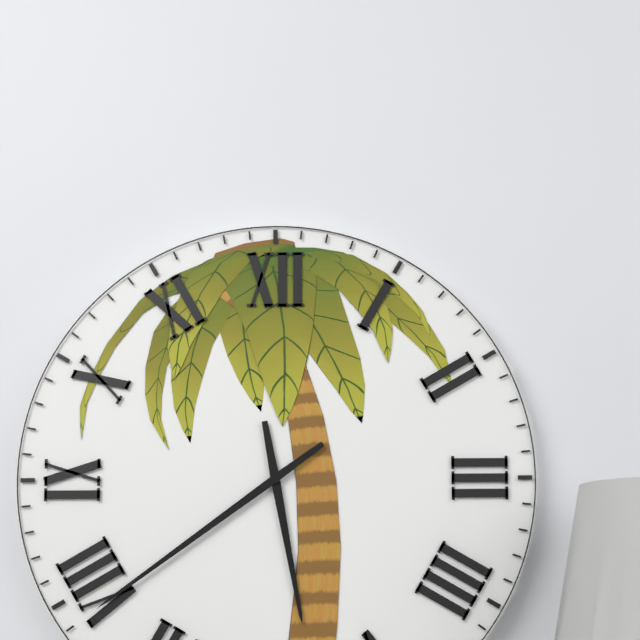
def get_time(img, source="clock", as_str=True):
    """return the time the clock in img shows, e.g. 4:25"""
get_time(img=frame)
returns 5:39
